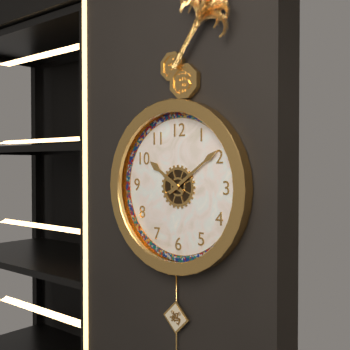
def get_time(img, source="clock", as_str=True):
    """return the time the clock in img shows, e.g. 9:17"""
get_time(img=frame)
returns 10:09
